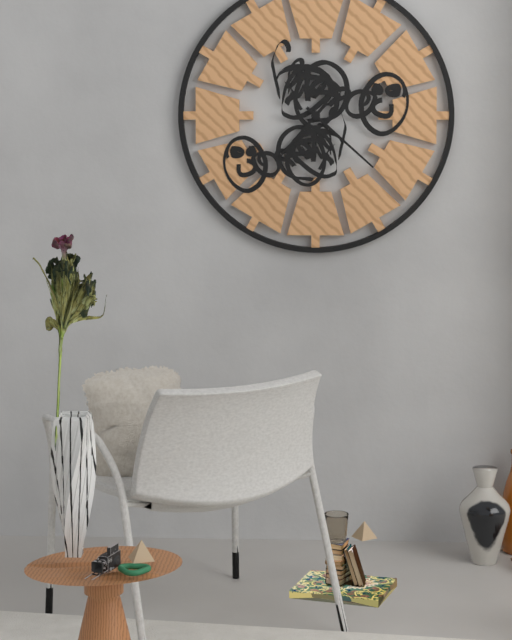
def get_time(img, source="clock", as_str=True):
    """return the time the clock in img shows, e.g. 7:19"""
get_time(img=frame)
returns 7:22
